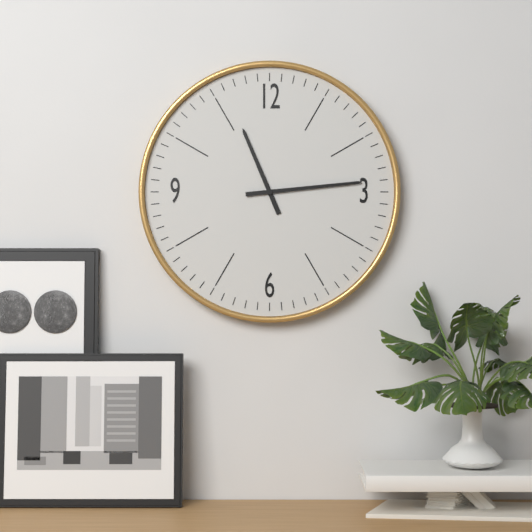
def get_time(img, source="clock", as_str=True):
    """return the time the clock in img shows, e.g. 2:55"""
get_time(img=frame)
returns 11:14
